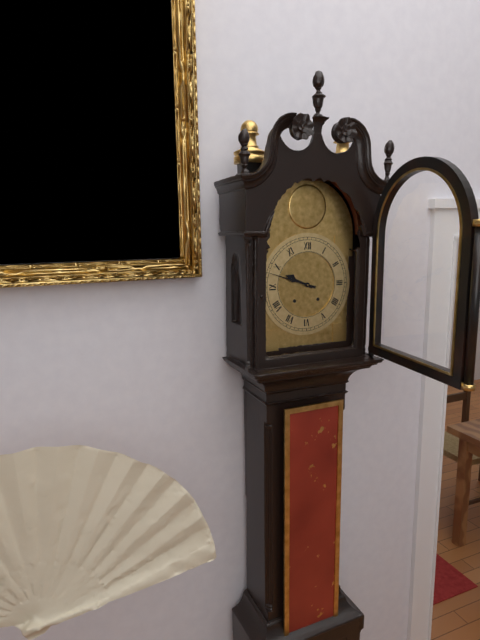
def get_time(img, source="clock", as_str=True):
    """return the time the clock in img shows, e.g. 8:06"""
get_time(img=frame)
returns 9:48
